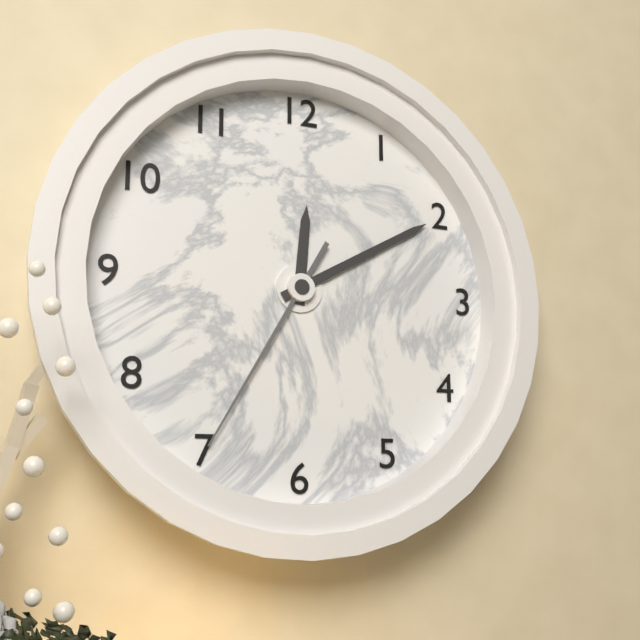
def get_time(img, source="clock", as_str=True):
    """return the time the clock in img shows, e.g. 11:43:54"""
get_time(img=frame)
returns 12:10:35
